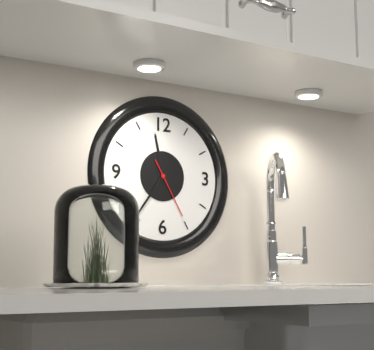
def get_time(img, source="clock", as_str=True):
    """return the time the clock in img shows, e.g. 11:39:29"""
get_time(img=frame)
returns 11:36:25
